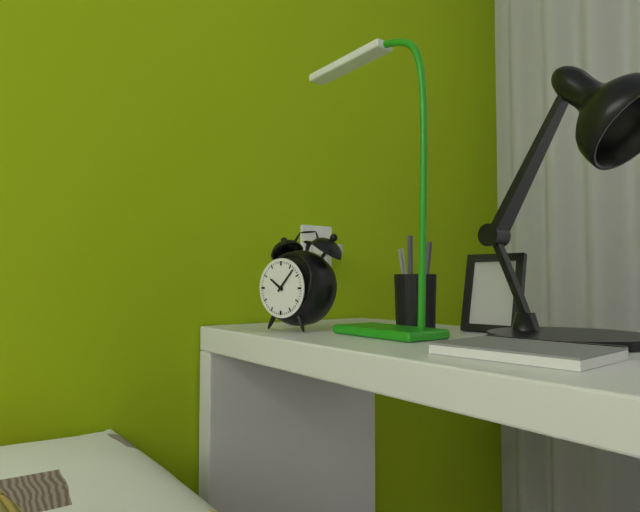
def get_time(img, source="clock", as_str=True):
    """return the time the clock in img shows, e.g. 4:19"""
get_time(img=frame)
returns 10:07
